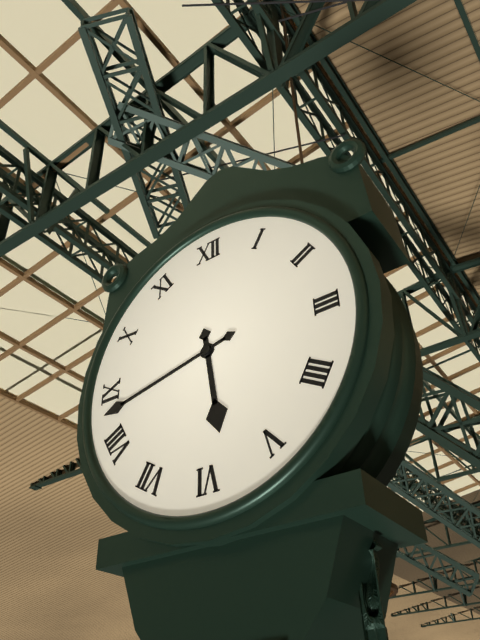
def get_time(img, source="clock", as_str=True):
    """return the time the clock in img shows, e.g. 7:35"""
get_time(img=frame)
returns 5:43
